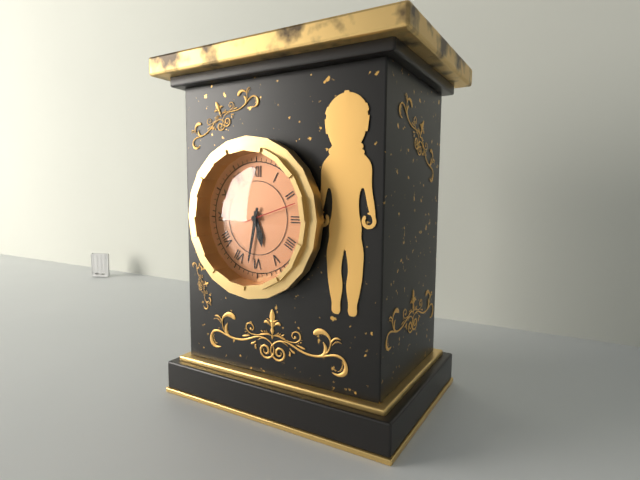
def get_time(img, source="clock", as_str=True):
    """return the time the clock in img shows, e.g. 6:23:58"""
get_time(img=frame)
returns 5:32:12
